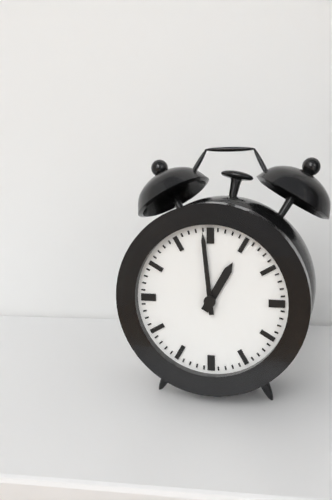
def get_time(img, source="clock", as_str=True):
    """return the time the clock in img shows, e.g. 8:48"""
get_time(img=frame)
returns 12:59
